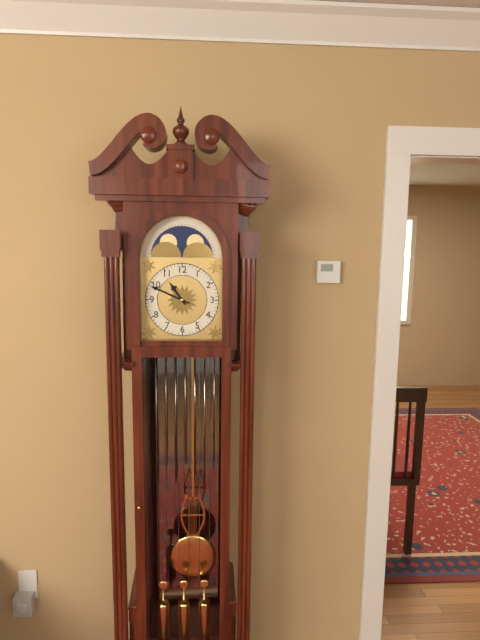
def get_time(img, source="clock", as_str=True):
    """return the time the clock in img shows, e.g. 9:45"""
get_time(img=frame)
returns 10:49
